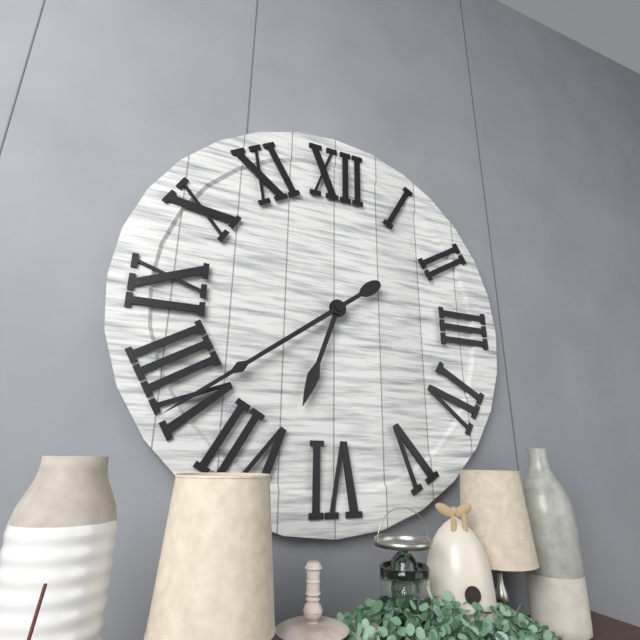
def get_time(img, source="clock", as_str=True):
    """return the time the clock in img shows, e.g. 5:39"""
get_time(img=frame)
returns 6:39
